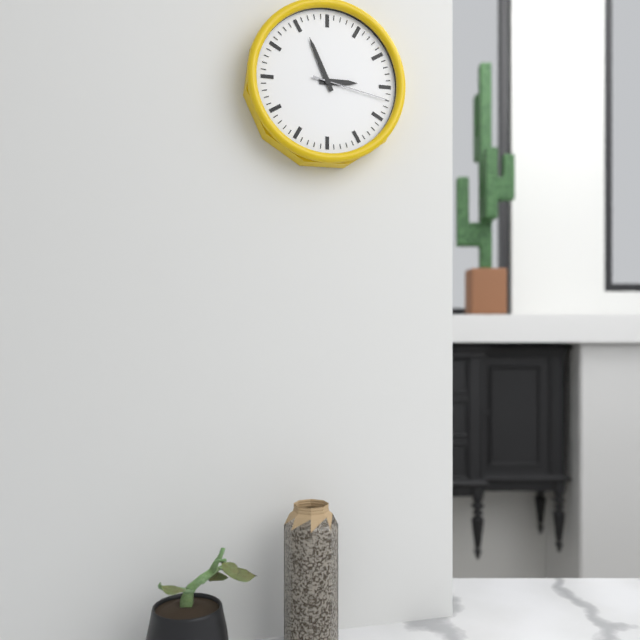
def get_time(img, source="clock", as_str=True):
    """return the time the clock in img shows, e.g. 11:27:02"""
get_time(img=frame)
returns 2:56:17
